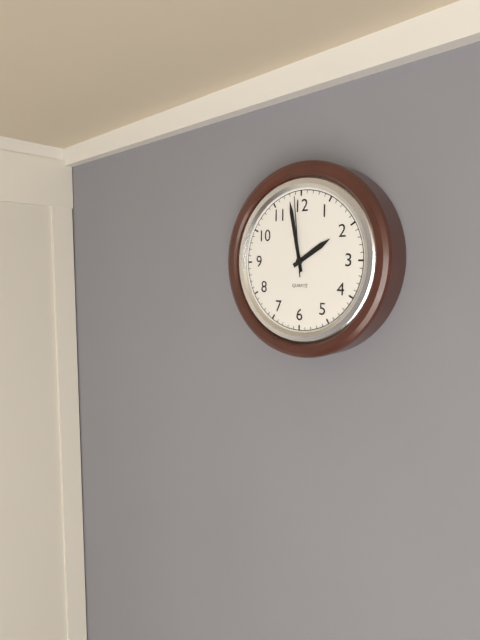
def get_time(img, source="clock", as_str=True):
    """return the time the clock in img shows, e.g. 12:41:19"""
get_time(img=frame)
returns 1:58:59
